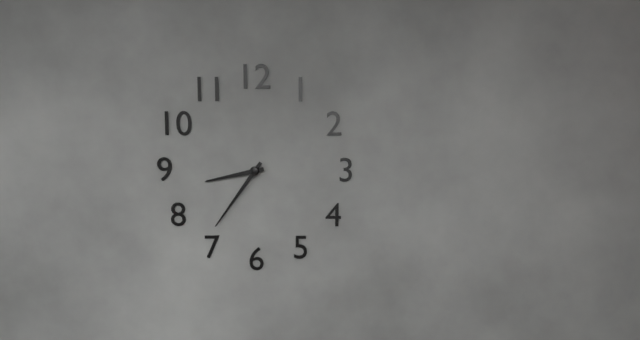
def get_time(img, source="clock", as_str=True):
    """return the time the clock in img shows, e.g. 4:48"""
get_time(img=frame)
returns 8:36
